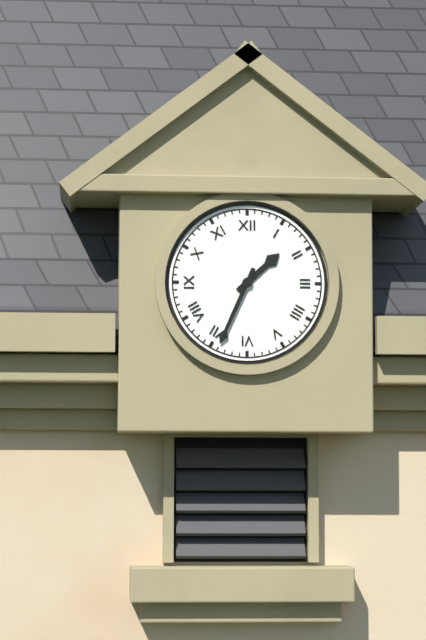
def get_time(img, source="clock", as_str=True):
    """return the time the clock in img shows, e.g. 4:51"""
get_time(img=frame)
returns 1:34
